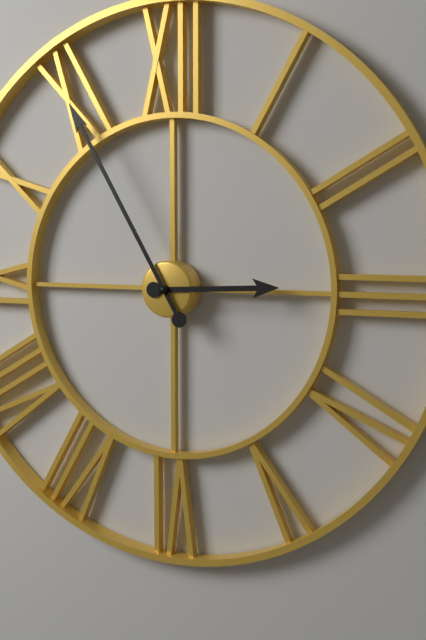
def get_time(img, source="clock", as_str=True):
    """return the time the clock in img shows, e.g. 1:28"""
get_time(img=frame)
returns 2:55
